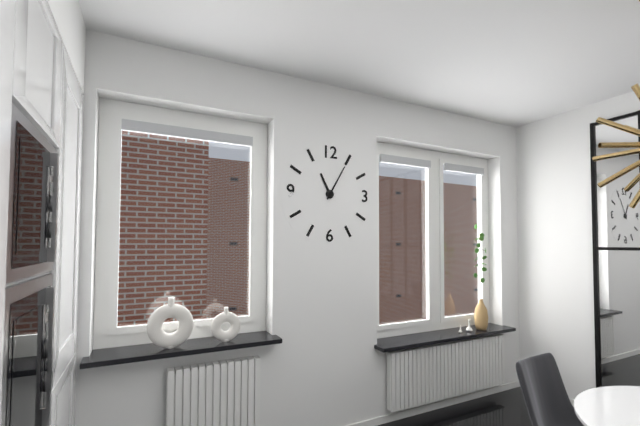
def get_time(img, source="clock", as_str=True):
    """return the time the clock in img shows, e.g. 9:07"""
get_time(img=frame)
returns 11:05
